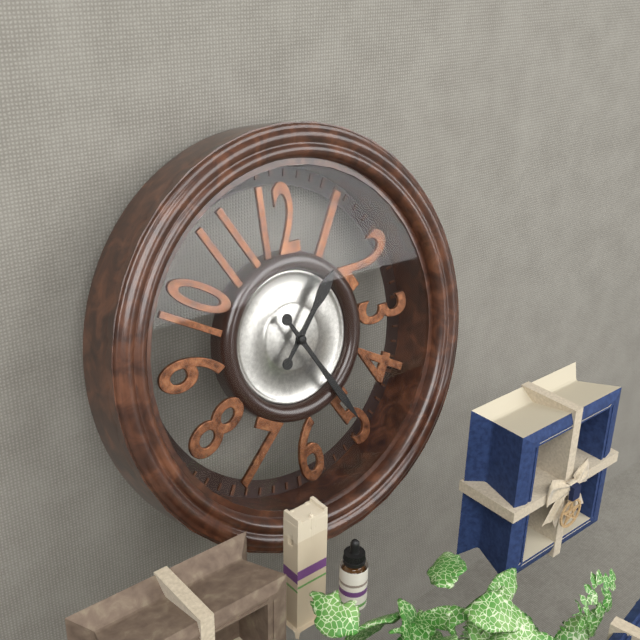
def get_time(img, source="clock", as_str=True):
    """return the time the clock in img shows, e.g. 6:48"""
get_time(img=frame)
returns 1:25
